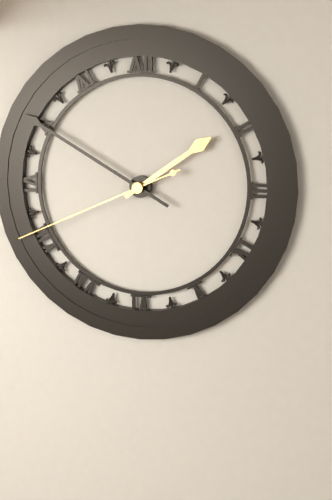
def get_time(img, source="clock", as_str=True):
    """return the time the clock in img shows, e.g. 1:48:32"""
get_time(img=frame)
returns 1:50:41
